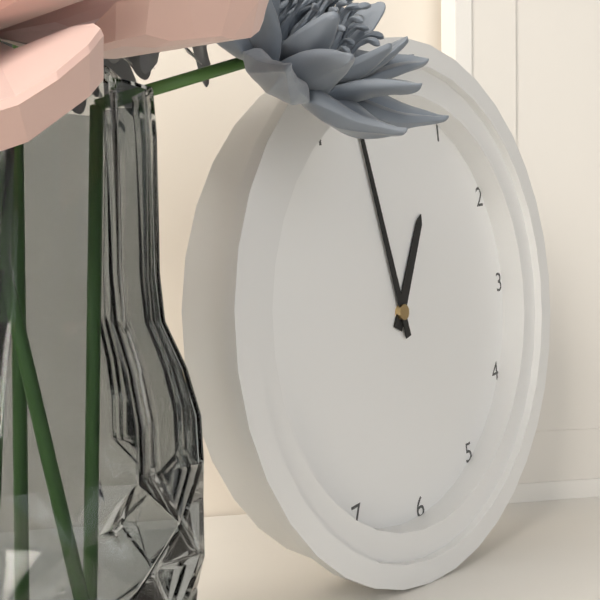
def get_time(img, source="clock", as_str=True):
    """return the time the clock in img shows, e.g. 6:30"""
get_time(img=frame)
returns 12:58
